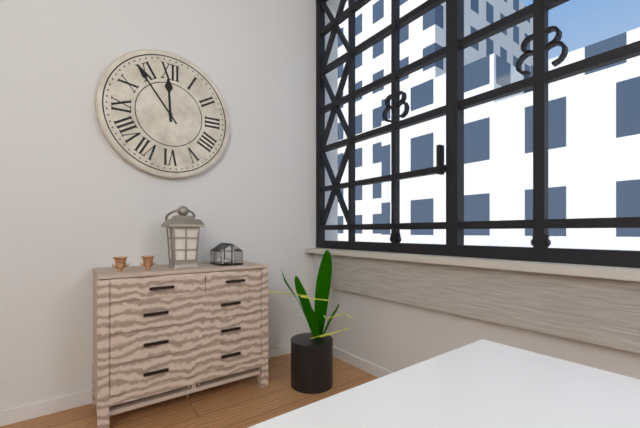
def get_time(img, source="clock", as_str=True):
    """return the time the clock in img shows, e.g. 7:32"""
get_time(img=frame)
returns 11:54
